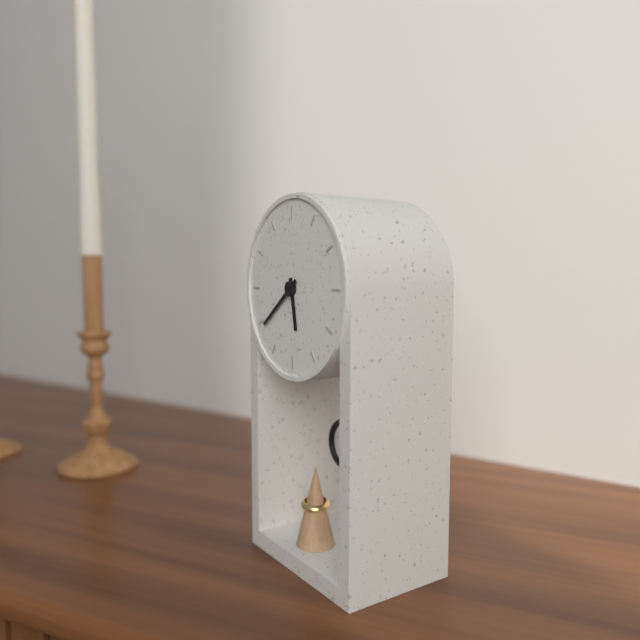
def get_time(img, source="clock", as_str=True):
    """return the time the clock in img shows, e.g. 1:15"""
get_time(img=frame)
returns 5:39
